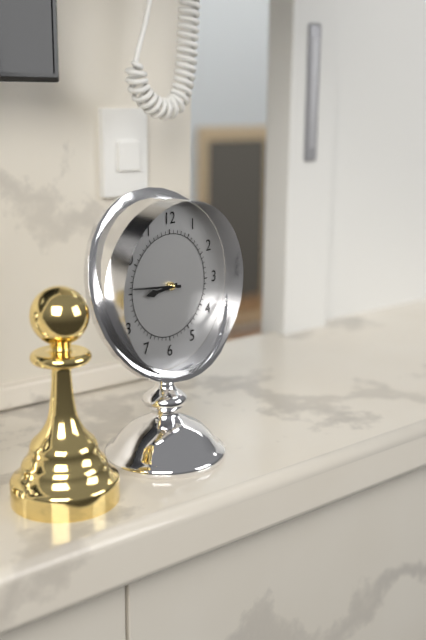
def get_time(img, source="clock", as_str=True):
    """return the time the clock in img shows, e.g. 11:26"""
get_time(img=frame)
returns 8:46
